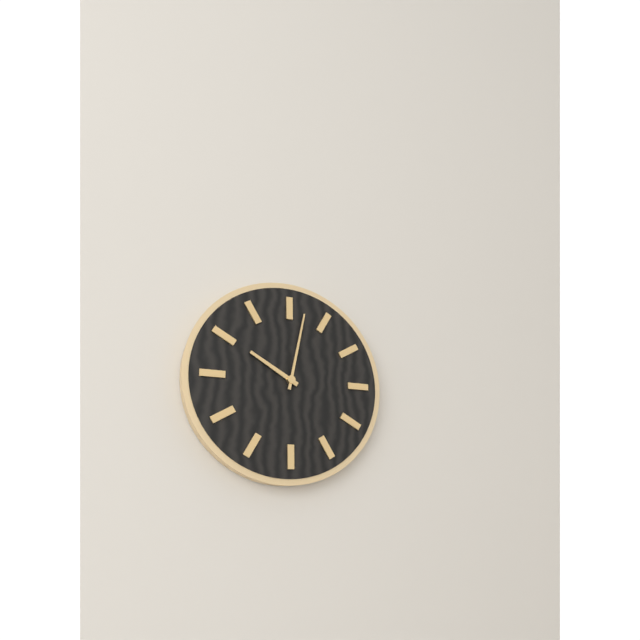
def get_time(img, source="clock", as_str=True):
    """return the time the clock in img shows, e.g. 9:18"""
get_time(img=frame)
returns 10:02
